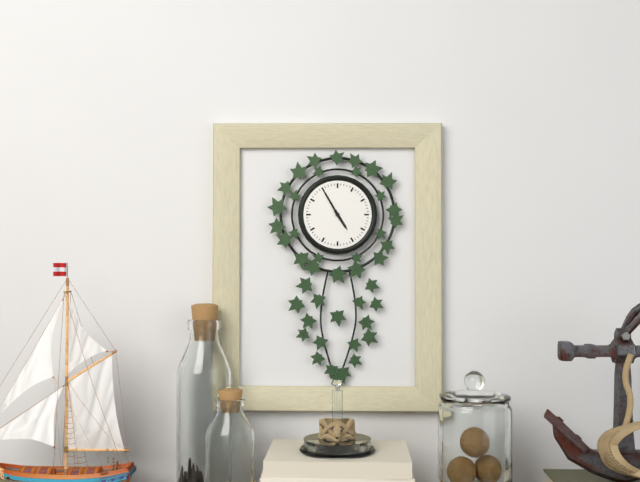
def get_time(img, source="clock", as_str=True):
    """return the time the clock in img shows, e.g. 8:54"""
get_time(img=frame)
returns 4:55
